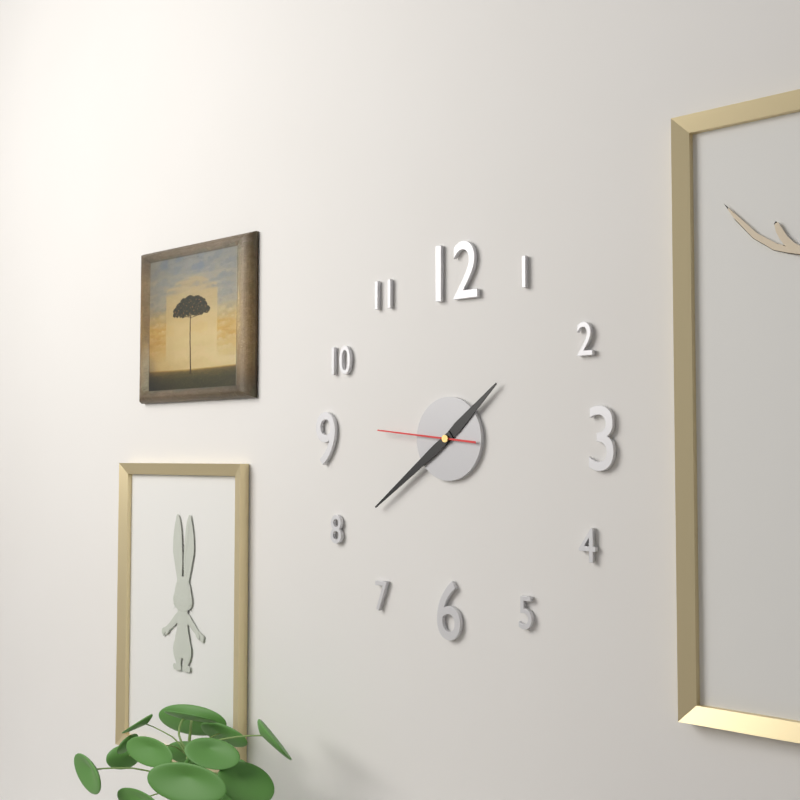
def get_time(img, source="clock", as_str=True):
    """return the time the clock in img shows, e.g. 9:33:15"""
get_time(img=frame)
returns 1:39:46
